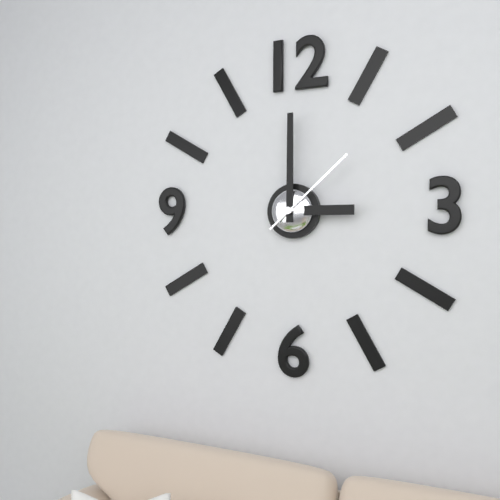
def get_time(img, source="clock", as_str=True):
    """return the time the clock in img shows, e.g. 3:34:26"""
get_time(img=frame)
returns 3:00:08
